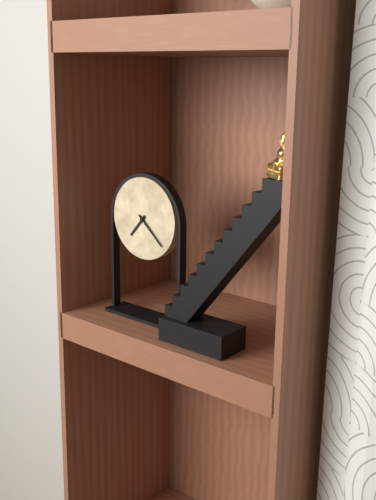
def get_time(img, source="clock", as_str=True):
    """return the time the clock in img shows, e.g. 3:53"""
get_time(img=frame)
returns 7:22
